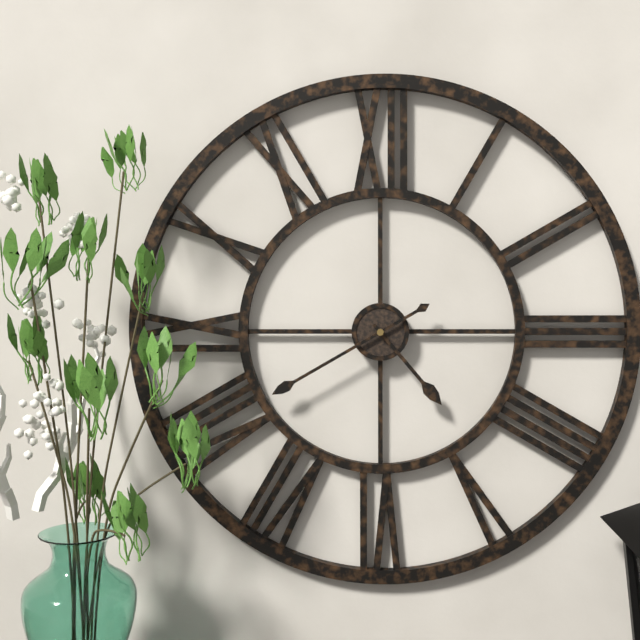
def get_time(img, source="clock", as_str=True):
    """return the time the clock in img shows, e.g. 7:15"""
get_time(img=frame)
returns 4:40
